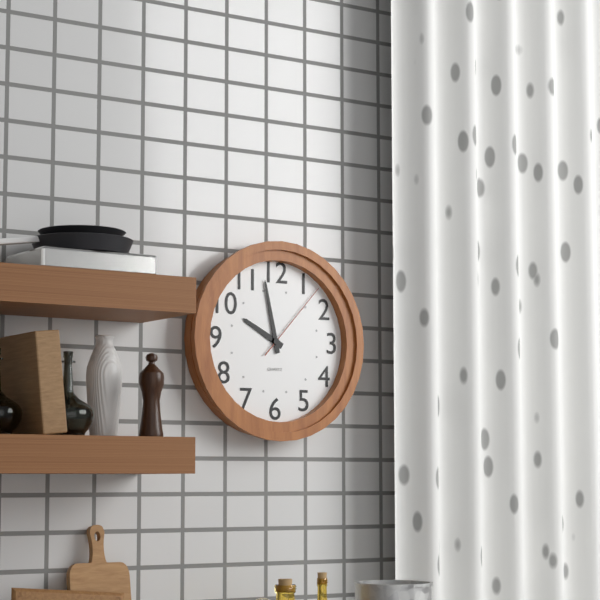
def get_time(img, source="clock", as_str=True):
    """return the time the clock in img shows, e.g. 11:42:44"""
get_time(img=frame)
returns 9:58:07
